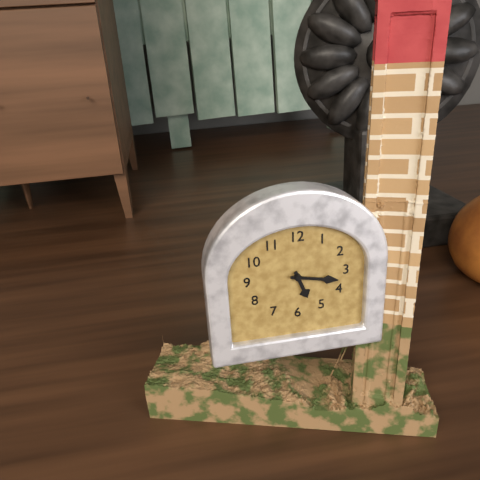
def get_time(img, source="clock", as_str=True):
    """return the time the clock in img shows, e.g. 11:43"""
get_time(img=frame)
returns 5:17
